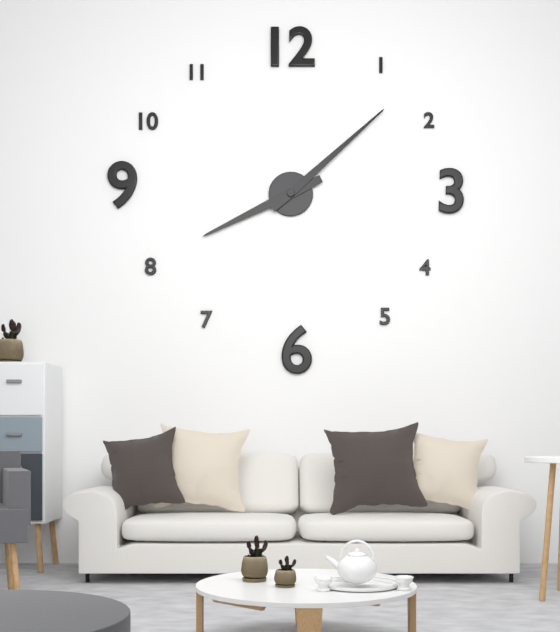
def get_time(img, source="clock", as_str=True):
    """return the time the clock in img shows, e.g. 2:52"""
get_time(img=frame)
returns 8:08
